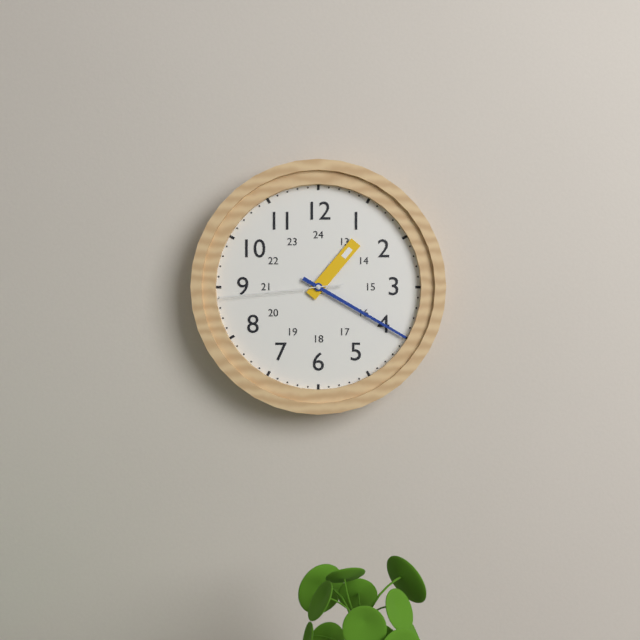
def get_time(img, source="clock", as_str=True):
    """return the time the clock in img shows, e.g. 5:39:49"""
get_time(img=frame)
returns 1:20:44
